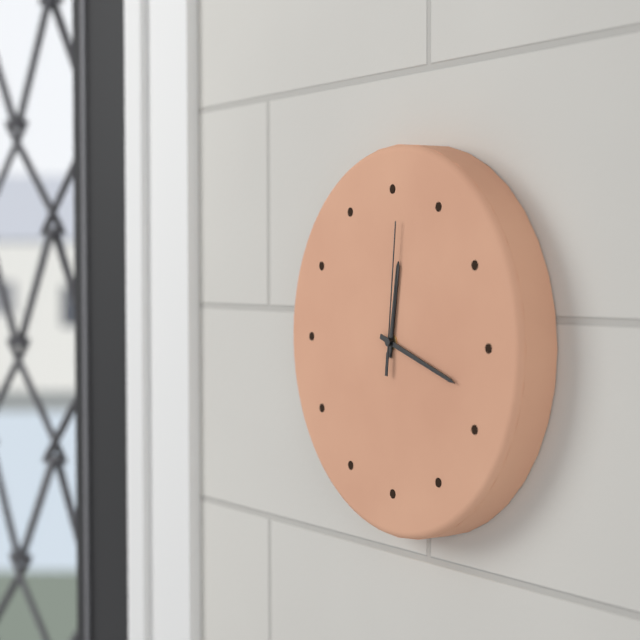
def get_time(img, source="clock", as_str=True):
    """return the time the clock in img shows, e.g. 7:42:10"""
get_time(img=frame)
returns 12:18:01
